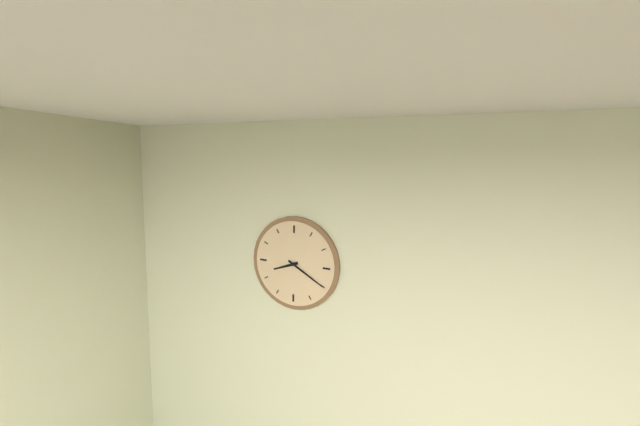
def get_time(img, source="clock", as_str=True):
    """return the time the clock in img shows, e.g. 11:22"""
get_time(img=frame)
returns 8:20
